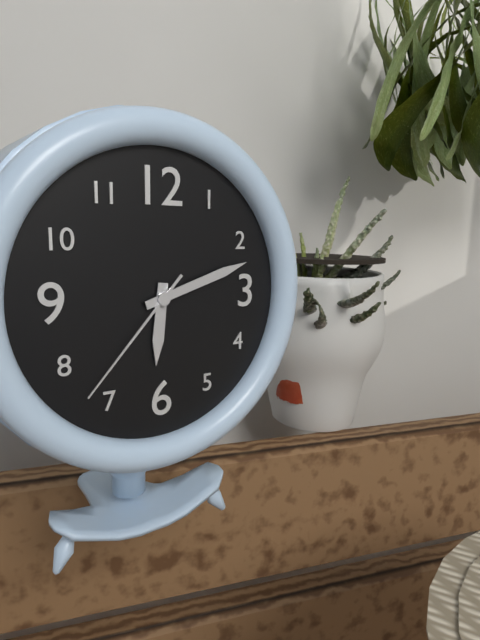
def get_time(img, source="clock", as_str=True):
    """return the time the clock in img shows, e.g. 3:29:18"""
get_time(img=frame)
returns 6:12:37
